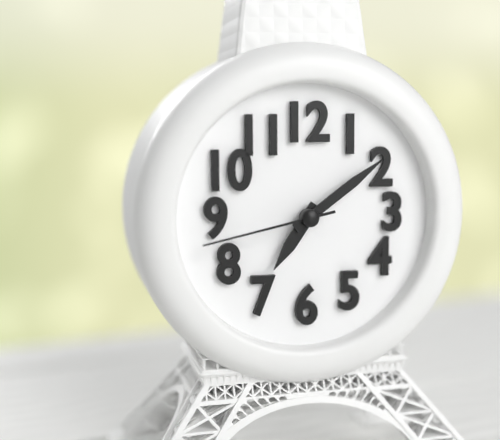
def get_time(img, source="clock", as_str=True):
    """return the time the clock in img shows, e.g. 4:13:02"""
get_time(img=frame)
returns 7:09:43
